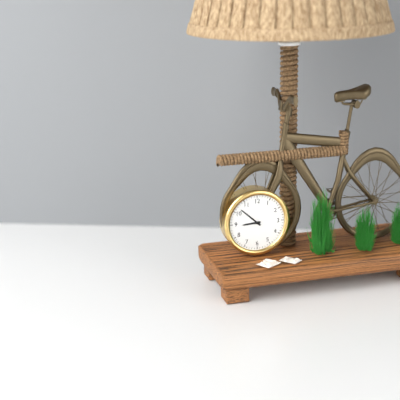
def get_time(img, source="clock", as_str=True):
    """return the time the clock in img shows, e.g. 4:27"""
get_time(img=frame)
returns 8:52
